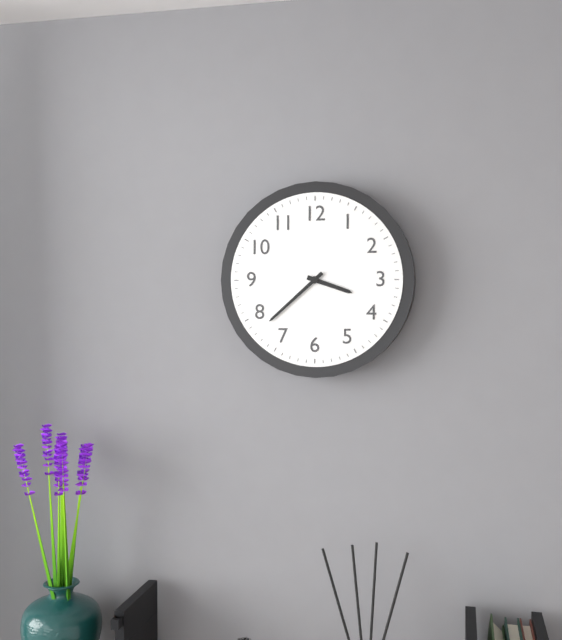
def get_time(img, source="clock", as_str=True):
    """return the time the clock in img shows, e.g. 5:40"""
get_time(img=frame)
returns 3:38
